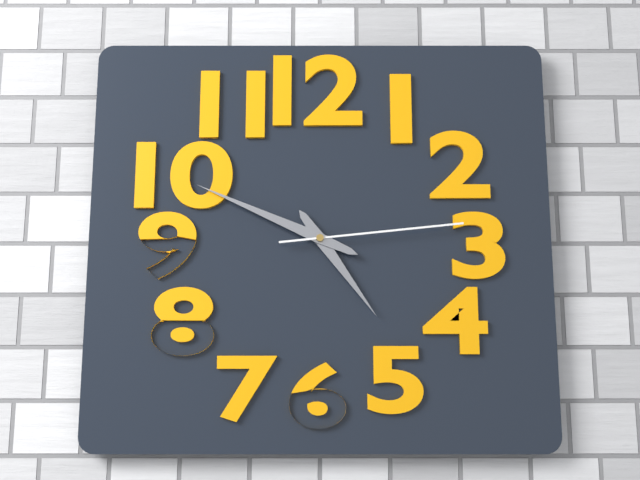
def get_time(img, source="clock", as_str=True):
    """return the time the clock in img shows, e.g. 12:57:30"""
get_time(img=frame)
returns 4:49:14
